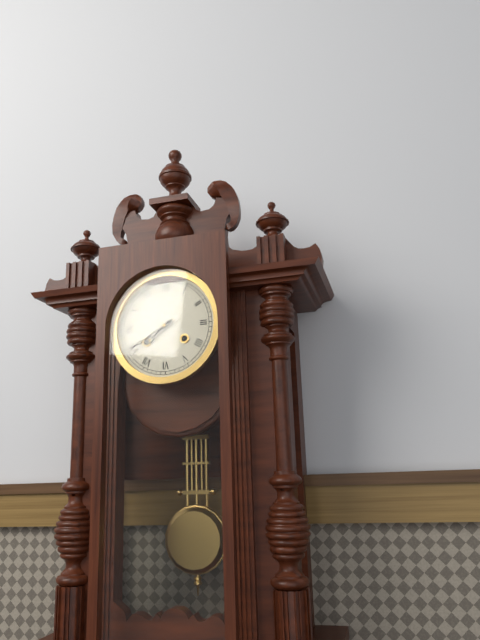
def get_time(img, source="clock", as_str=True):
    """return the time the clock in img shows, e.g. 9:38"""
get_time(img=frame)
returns 7:40
